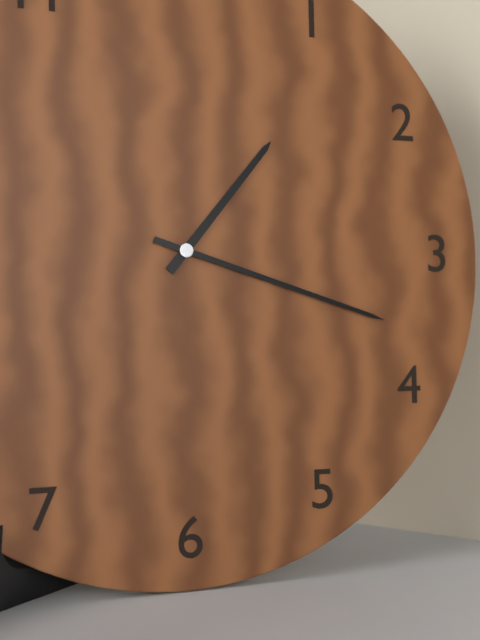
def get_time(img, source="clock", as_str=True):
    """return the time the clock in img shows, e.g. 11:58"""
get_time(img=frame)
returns 1:18
